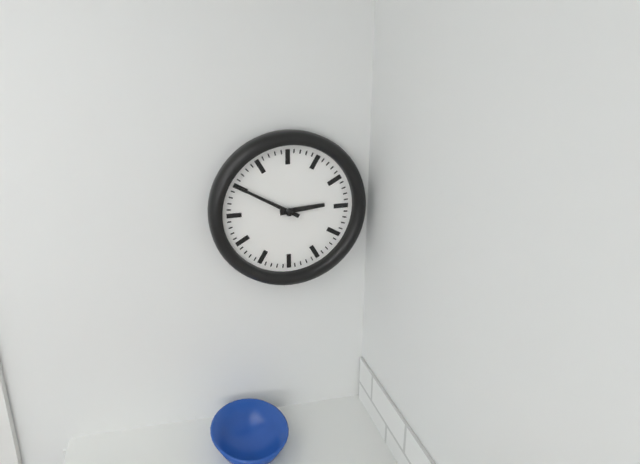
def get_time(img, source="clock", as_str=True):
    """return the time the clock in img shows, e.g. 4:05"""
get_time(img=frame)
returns 2:50
